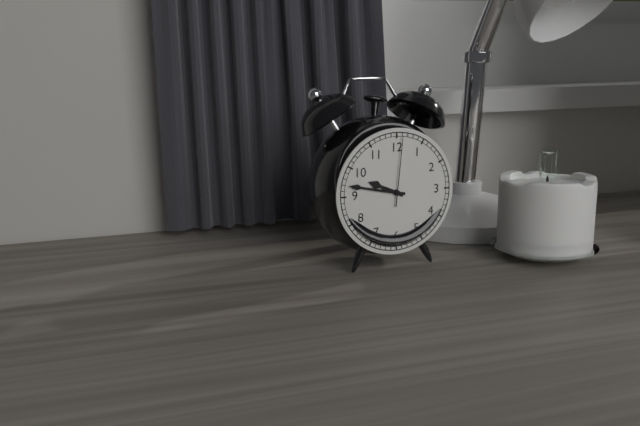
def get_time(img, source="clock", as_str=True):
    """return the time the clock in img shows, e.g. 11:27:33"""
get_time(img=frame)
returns 9:47:01
